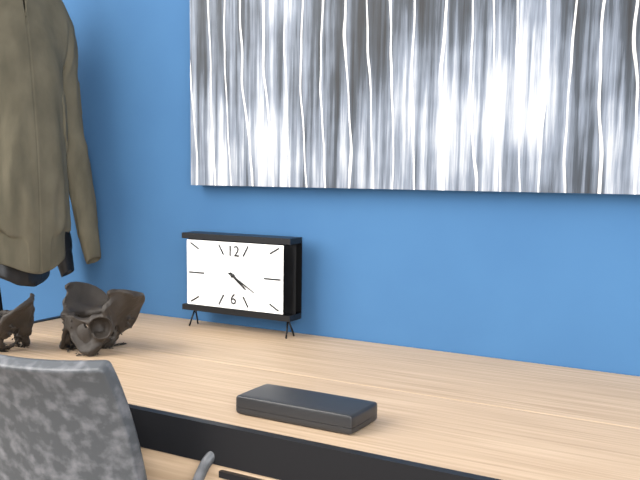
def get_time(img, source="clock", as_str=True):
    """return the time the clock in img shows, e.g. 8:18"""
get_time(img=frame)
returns 4:20
